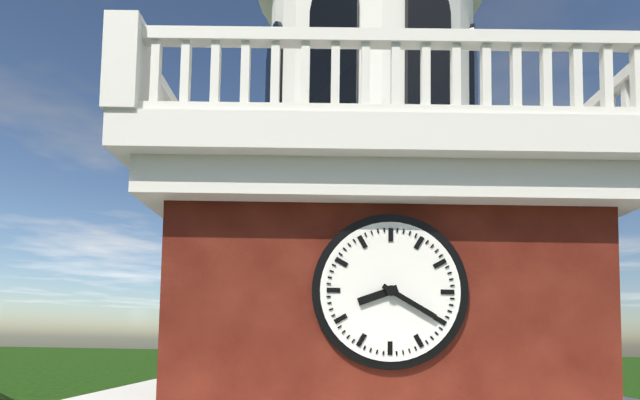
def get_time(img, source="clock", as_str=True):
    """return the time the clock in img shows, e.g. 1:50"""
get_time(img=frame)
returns 8:20
